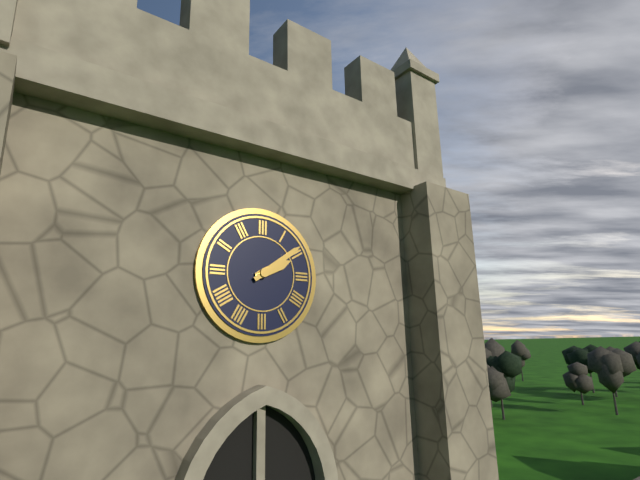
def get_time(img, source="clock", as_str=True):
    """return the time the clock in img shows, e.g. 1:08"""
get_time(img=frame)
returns 2:09
